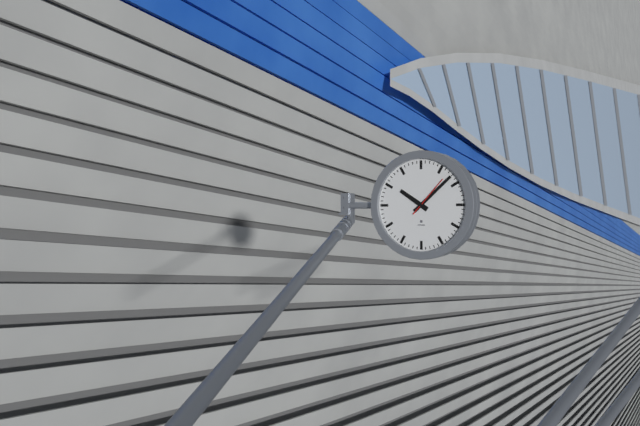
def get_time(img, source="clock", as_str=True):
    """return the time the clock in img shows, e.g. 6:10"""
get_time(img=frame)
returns 10:08
